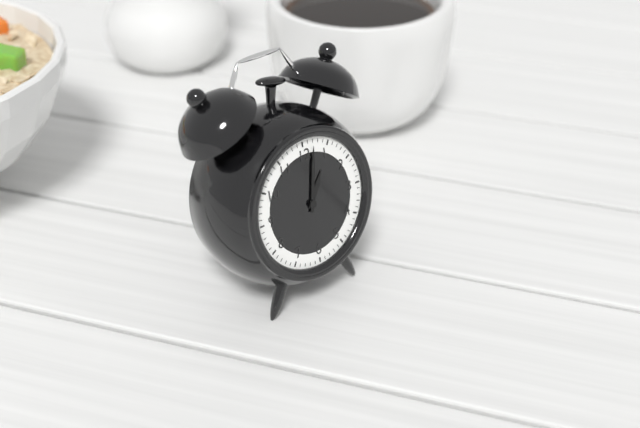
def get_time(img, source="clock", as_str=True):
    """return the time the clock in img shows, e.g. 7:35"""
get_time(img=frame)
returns 1:02
